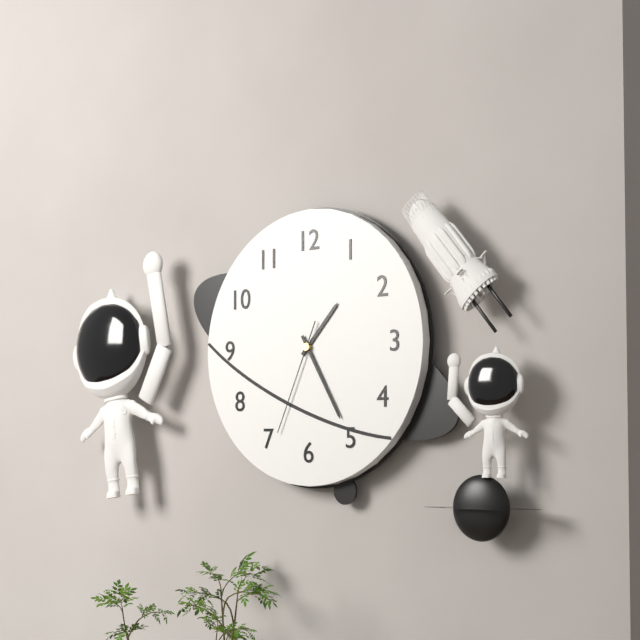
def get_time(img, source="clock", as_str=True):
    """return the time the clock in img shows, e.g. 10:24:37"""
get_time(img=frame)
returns 1:25:34
